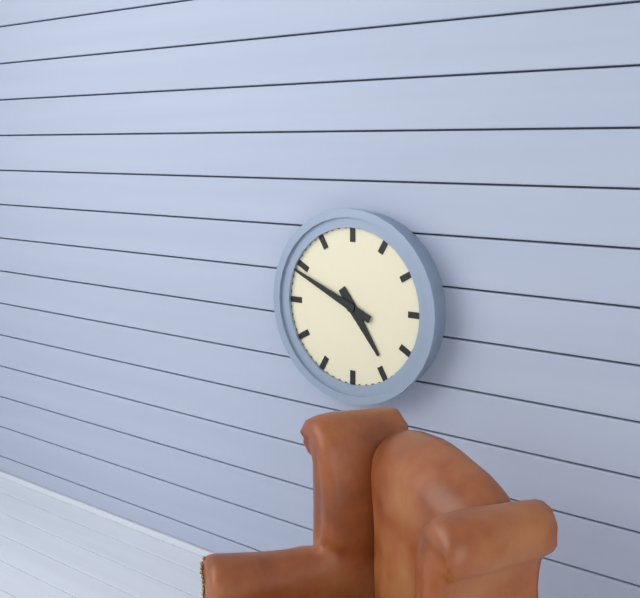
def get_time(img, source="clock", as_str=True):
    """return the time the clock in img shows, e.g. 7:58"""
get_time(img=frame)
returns 4:49
